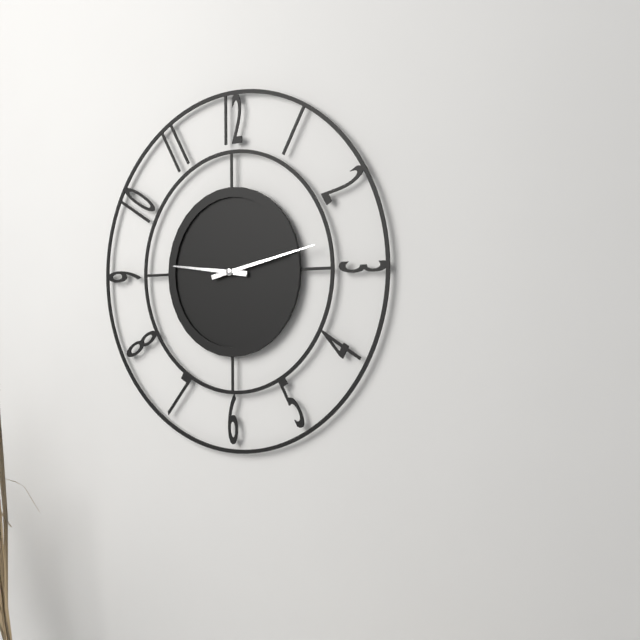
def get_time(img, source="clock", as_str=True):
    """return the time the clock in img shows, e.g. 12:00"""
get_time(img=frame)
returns 9:13
